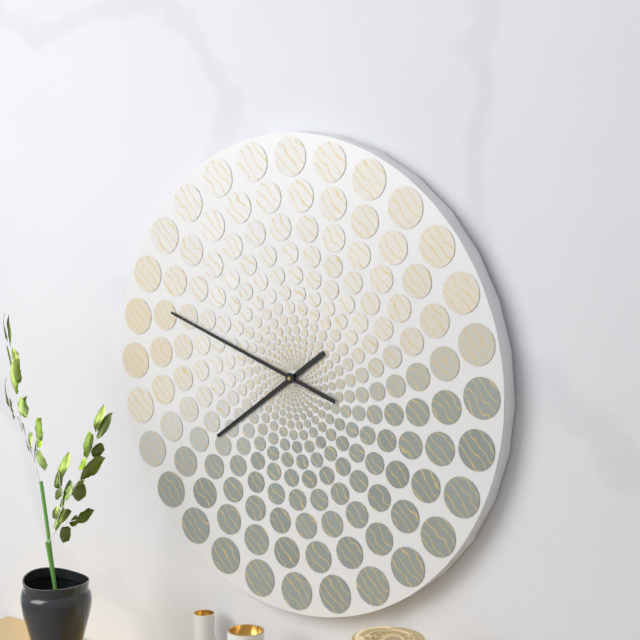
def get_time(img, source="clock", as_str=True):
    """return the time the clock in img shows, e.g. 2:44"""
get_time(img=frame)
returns 7:48
